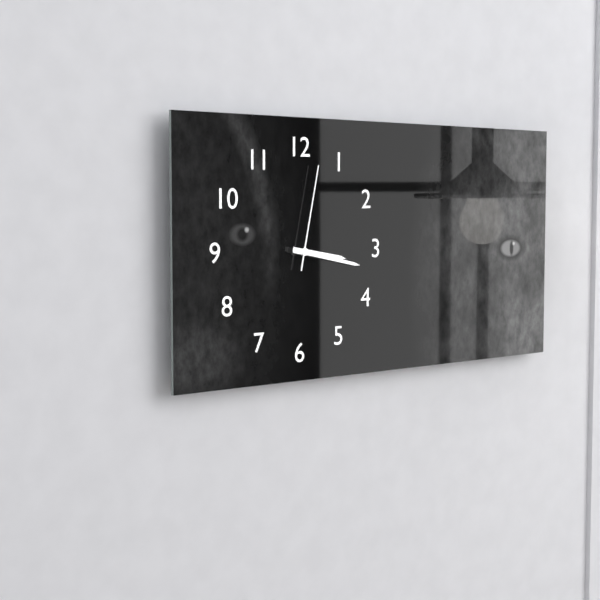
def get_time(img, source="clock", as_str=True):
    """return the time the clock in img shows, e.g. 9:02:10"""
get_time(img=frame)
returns 3:17:02
